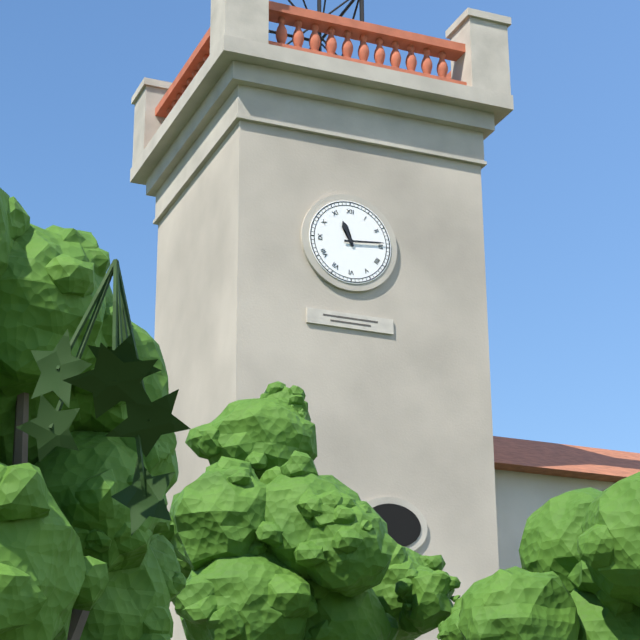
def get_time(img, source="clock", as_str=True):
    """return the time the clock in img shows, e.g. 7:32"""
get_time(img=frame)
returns 11:14
